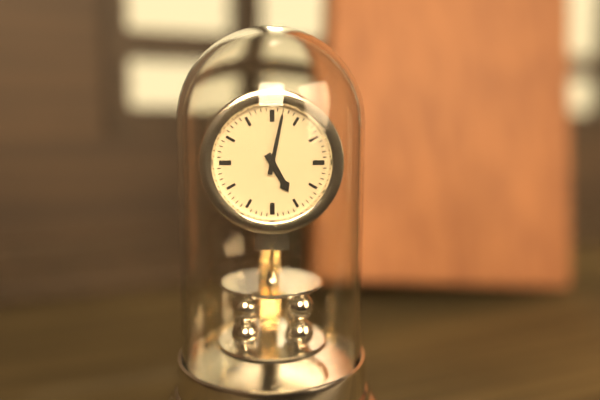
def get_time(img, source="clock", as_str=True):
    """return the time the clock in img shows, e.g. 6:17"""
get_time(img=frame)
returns 5:02
